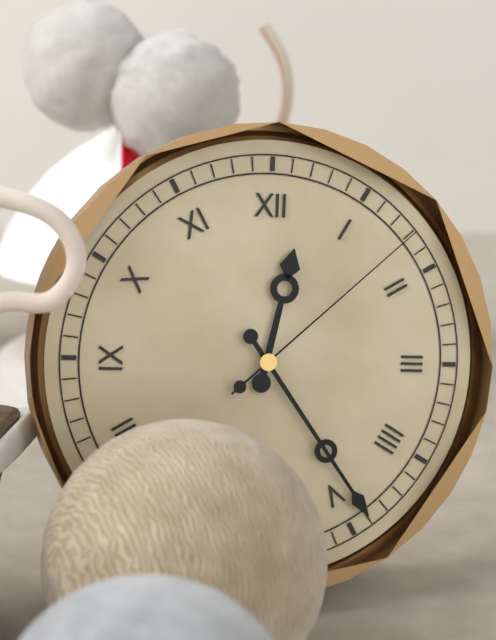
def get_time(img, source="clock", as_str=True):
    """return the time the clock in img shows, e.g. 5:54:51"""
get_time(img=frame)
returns 12:24:08
